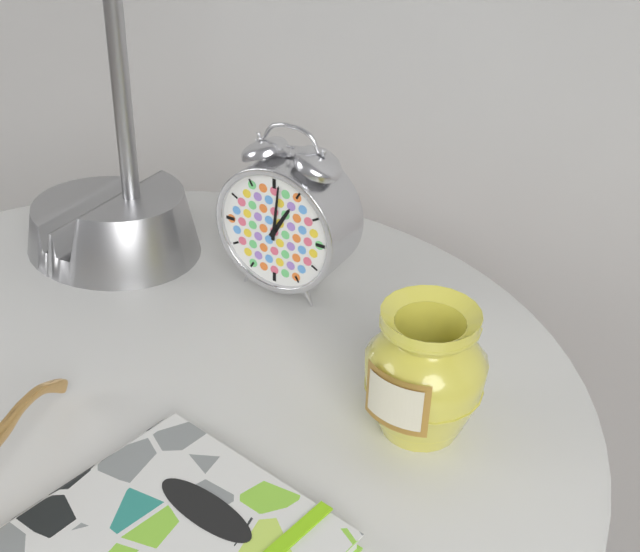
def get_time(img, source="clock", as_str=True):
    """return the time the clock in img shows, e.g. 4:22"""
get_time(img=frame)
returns 1:01
